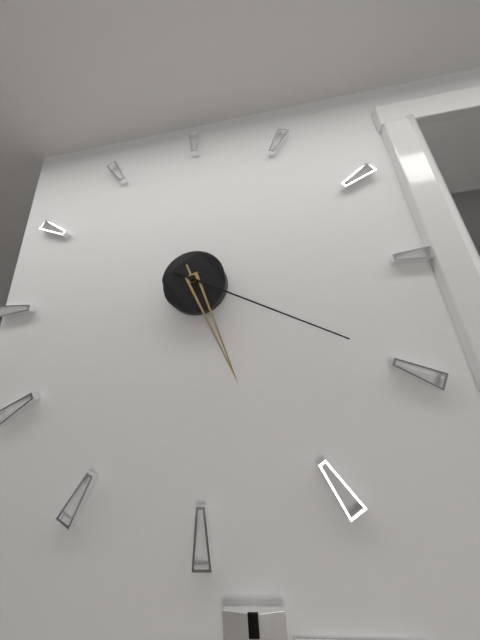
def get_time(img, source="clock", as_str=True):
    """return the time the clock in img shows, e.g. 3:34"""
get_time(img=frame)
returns 5:20
